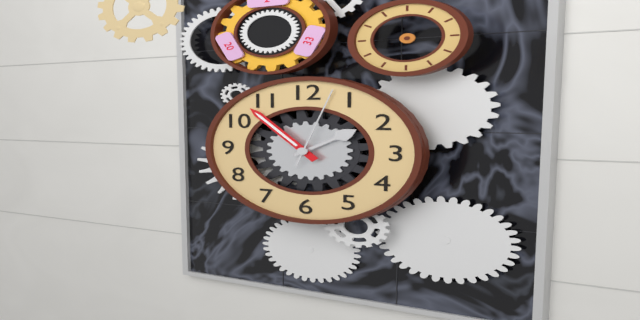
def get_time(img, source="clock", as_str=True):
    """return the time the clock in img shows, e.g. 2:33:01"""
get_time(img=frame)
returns 1:53:03
